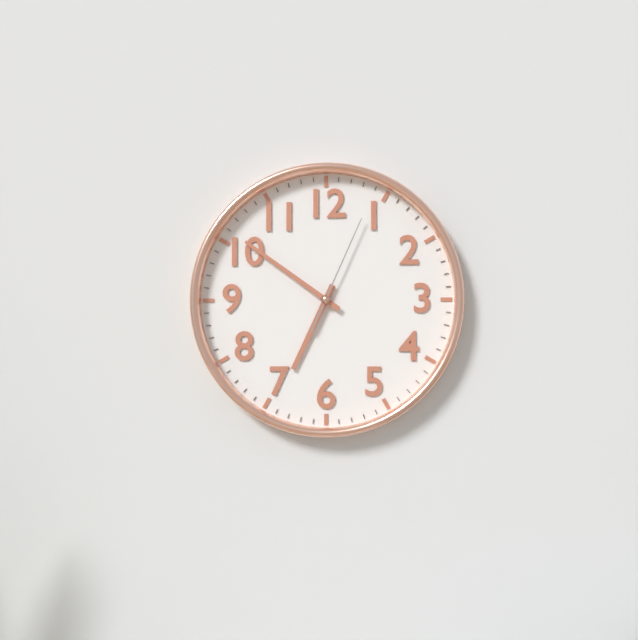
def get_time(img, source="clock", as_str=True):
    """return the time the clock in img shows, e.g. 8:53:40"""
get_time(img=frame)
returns 6:51:04
